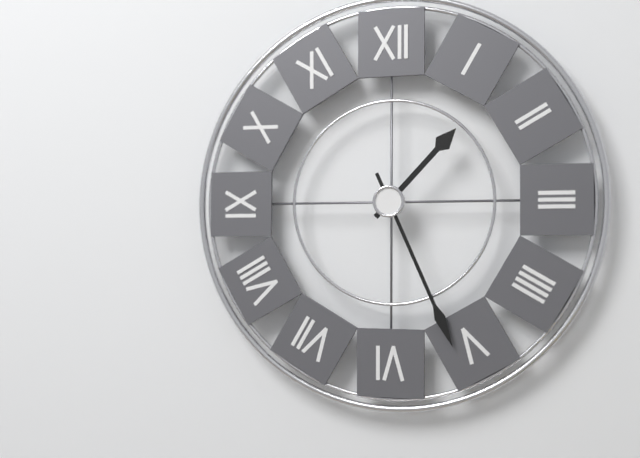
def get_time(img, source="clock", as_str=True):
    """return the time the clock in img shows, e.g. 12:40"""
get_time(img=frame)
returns 1:26
